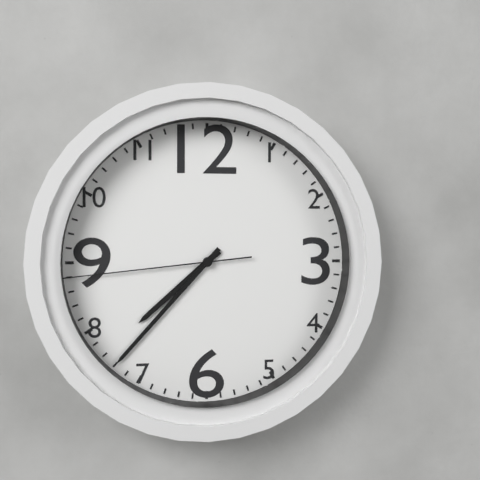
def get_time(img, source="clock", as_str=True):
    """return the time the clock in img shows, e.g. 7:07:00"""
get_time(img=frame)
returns 7:37:44
